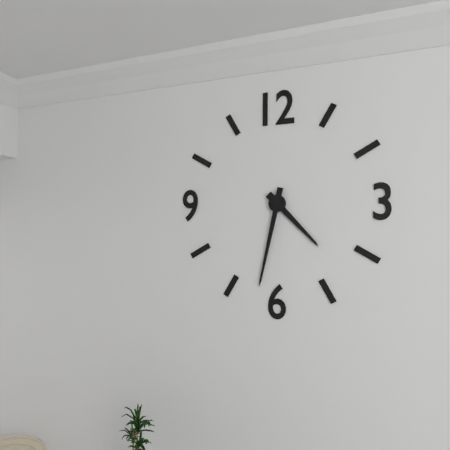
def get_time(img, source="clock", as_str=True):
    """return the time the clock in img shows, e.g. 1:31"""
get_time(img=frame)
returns 4:32
